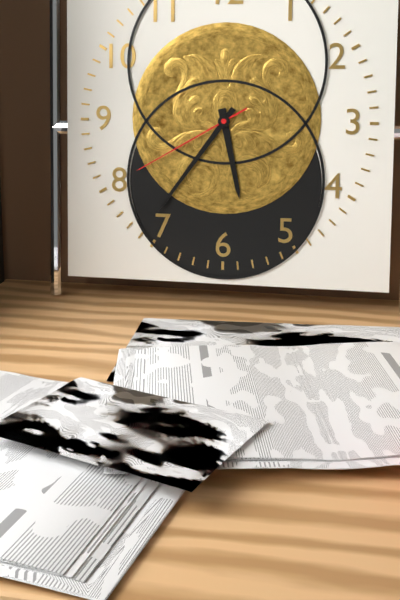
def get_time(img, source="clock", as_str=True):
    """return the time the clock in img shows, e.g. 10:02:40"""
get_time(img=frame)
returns 5:36:40
